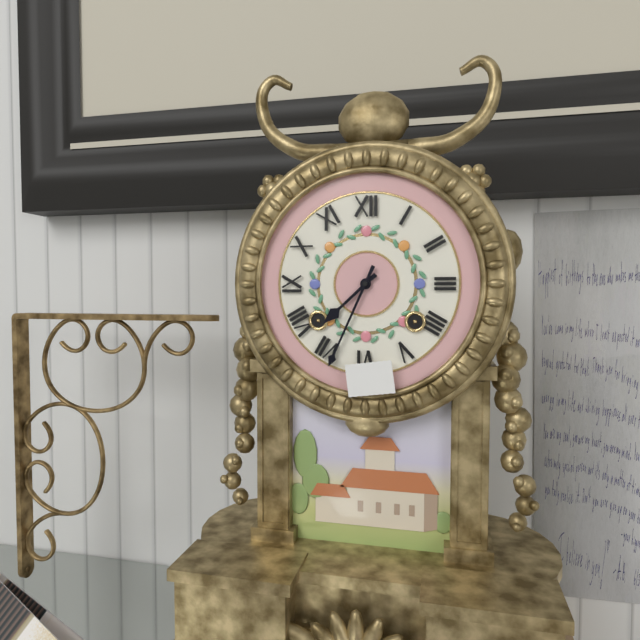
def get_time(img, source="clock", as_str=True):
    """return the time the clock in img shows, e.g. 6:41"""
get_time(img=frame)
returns 7:34
